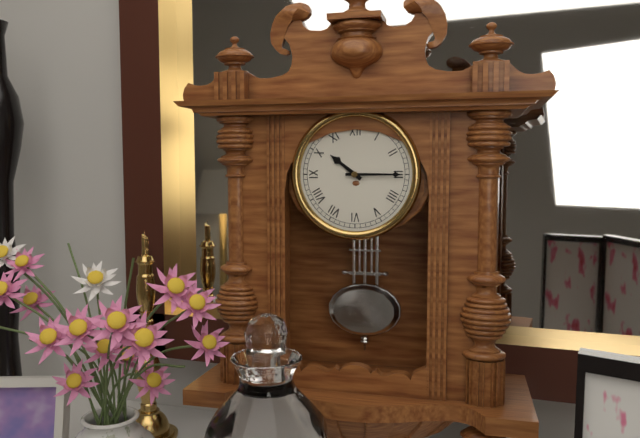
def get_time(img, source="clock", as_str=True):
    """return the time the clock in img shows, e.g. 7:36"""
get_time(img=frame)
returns 10:15
